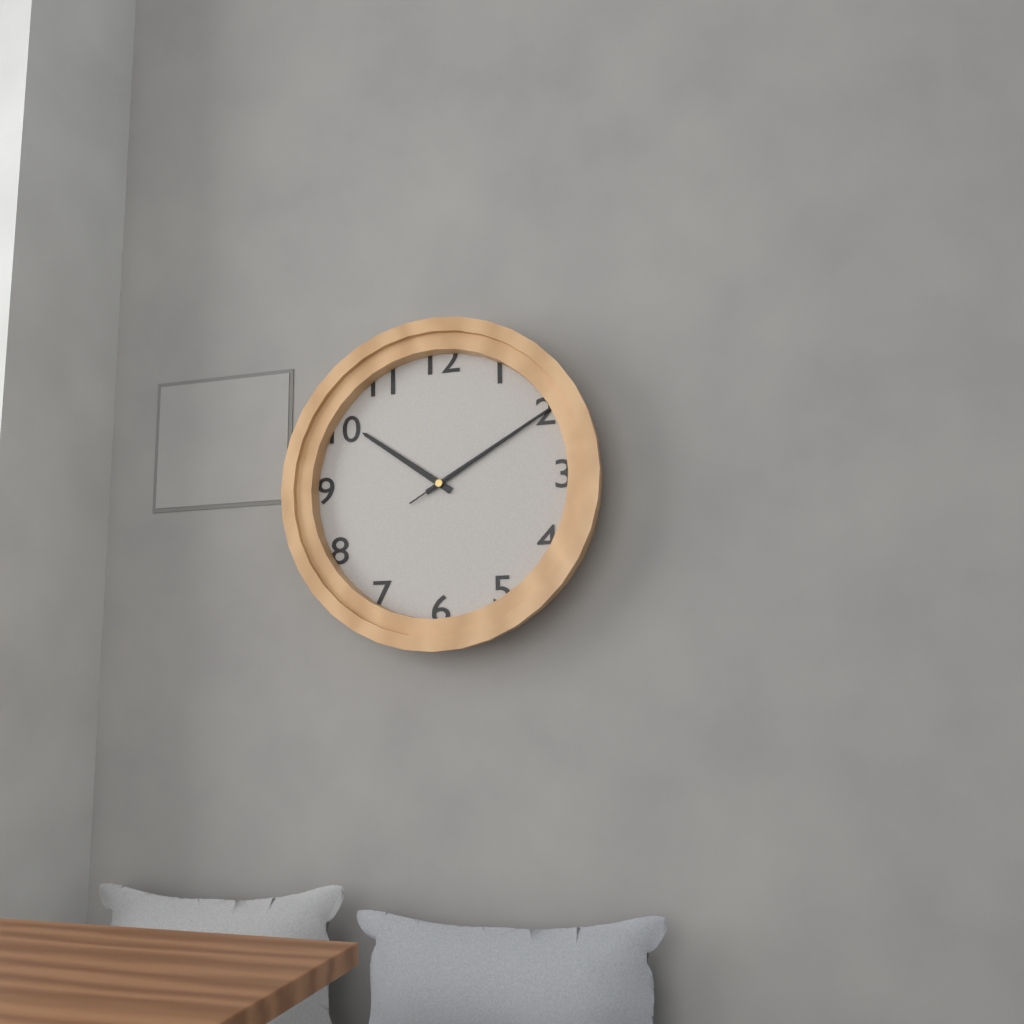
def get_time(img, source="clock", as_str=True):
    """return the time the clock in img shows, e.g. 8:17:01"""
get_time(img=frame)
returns 10:10:10
